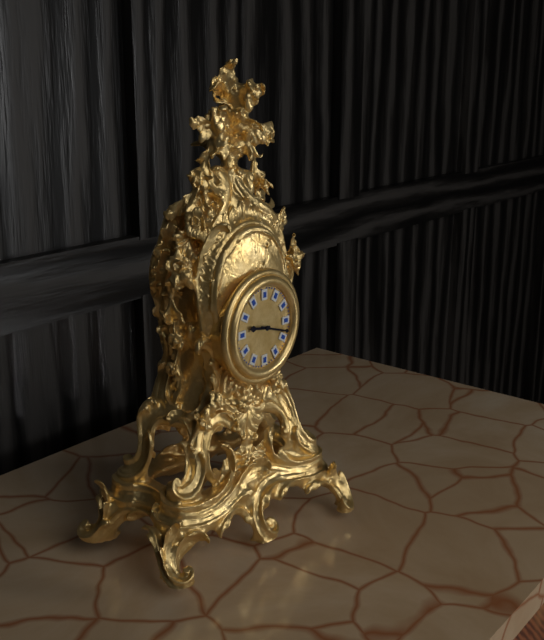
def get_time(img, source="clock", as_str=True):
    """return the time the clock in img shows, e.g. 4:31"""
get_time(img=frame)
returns 9:18
